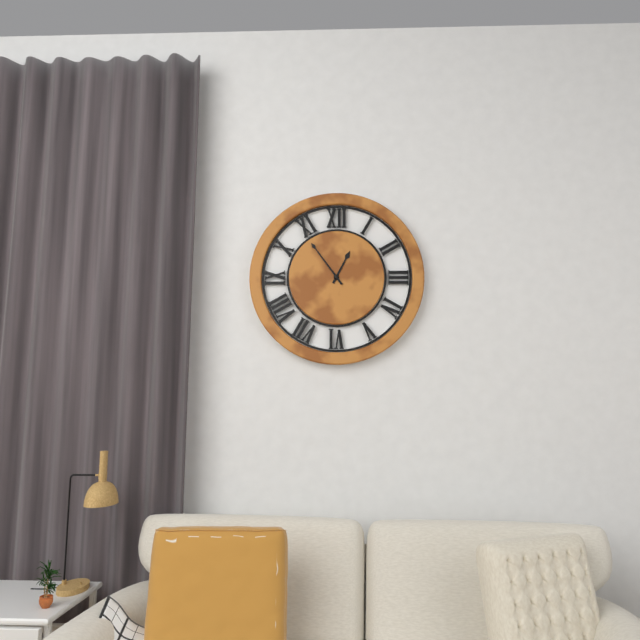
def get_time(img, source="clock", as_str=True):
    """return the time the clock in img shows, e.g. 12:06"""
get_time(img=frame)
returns 12:54
